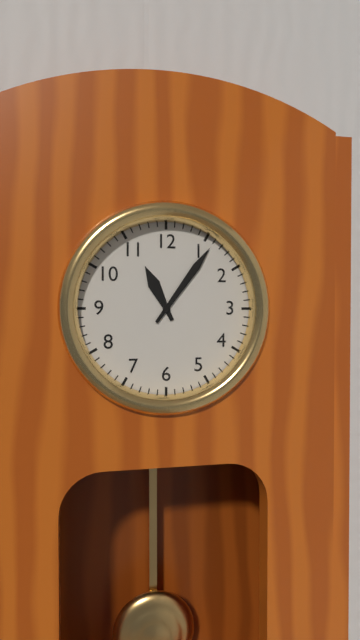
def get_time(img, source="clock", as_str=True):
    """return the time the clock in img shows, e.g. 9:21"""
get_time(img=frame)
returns 11:06
